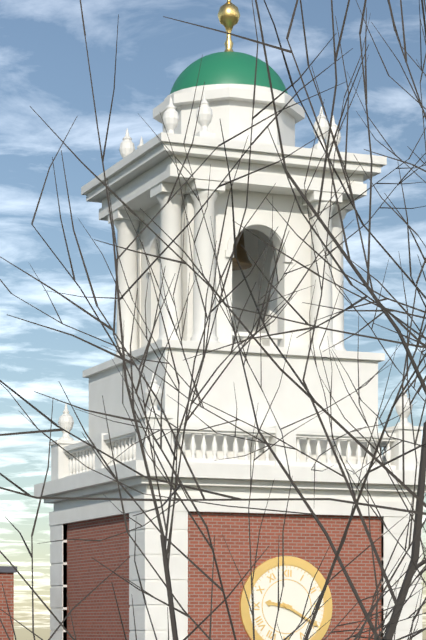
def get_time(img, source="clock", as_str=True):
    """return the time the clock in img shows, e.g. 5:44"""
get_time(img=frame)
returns 9:20
